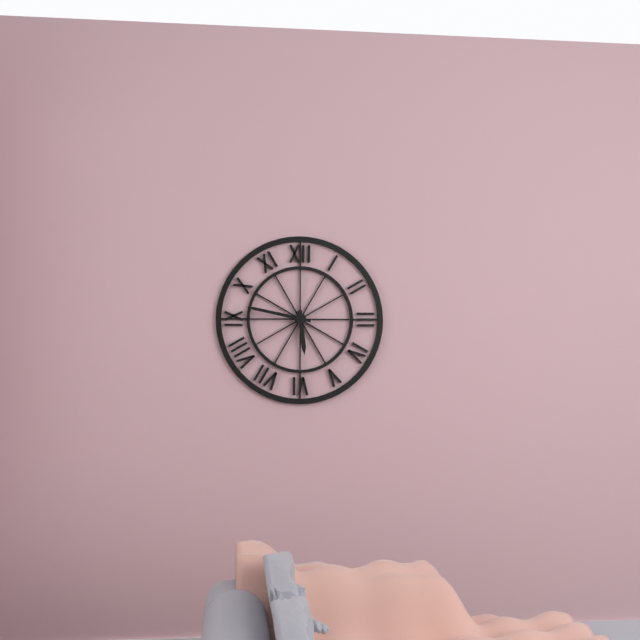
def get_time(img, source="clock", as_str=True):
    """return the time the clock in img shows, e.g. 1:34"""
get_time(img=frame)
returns 5:47
